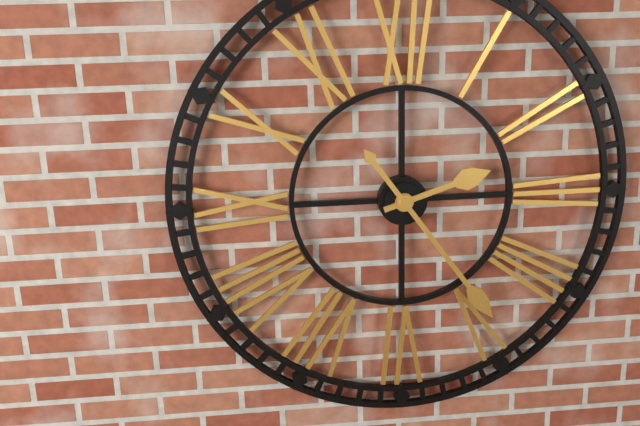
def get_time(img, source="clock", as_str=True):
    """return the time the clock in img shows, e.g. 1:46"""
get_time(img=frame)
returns 2:24
